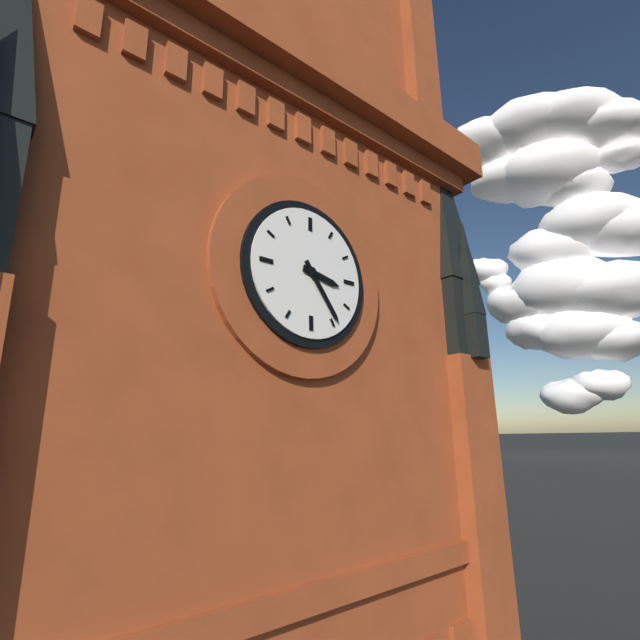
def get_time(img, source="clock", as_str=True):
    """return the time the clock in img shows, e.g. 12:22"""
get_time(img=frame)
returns 3:24
